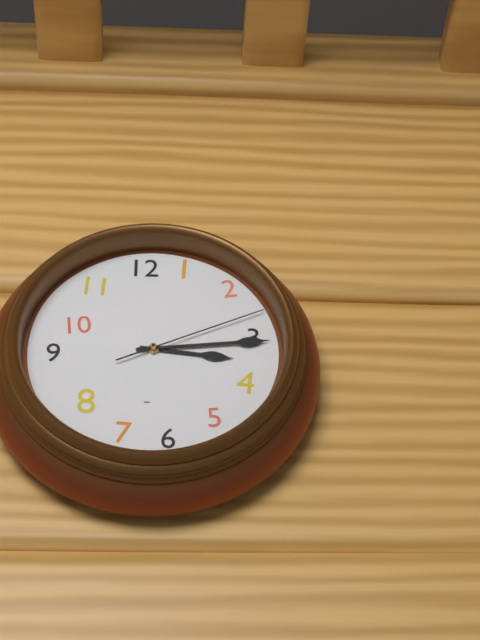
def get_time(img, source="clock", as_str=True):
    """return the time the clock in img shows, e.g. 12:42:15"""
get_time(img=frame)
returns 3:14:11
